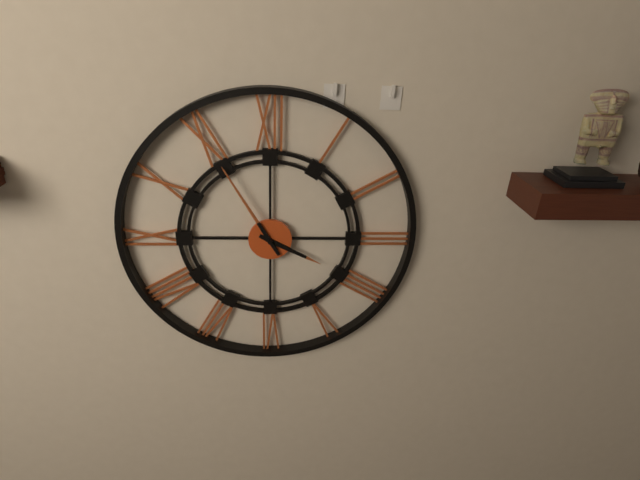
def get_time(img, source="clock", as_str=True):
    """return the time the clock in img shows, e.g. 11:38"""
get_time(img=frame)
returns 3:55
